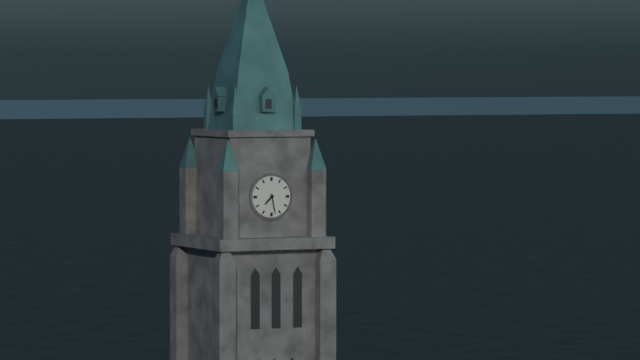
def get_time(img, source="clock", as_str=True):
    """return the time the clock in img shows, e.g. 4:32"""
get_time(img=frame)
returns 7:28
